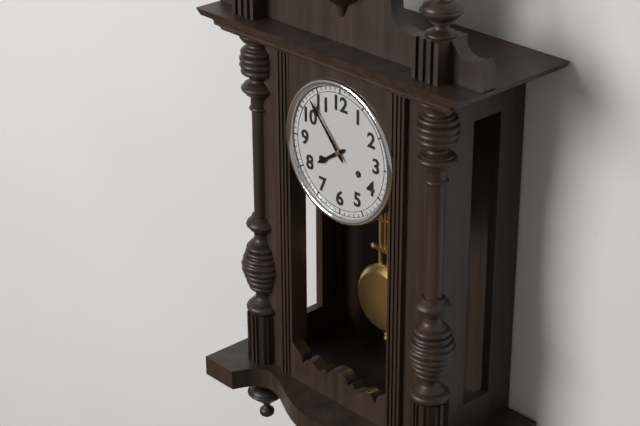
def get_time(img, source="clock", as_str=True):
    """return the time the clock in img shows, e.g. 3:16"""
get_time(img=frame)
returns 7:53
